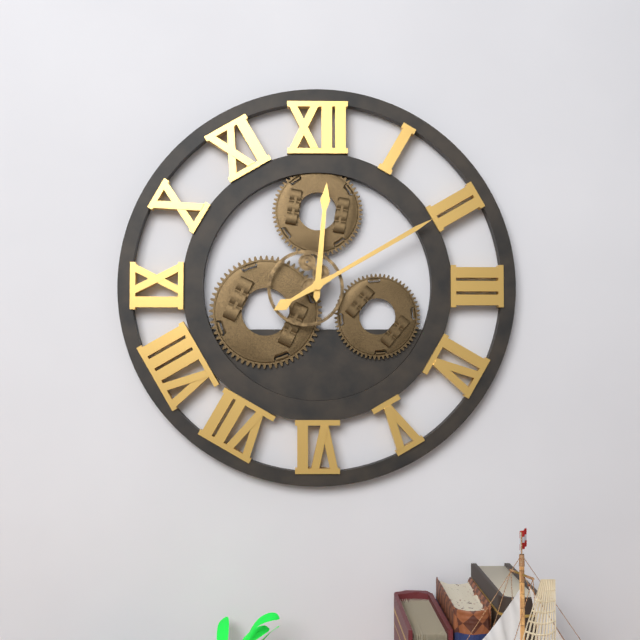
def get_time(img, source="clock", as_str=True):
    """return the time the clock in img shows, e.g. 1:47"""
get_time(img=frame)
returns 12:10
